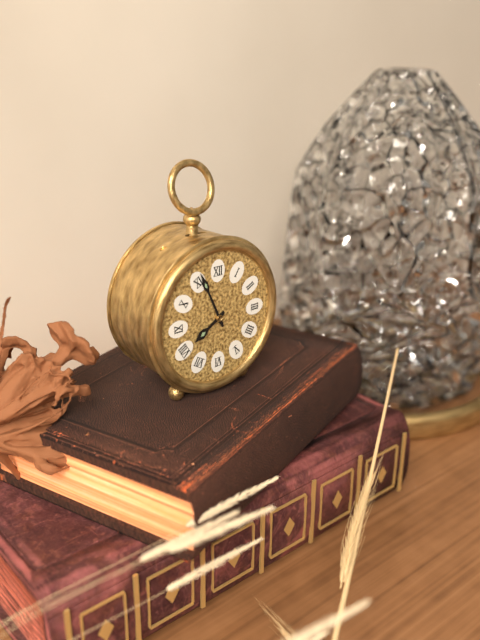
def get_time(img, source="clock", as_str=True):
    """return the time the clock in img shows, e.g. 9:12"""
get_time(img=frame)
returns 7:56
